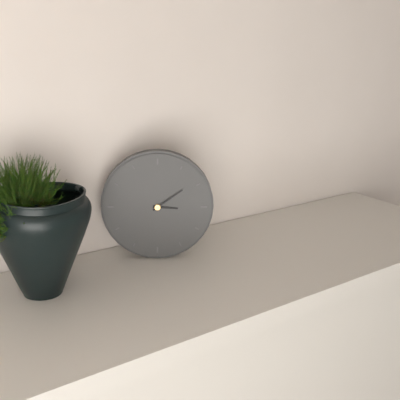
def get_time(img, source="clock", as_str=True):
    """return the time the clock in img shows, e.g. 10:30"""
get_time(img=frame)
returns 3:09
